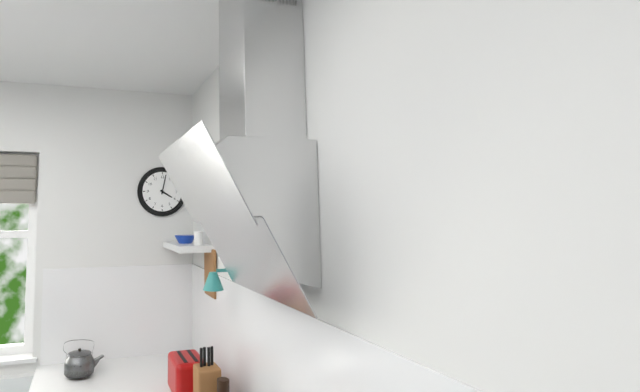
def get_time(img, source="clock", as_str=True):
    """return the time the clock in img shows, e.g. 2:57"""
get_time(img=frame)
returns 4:02
